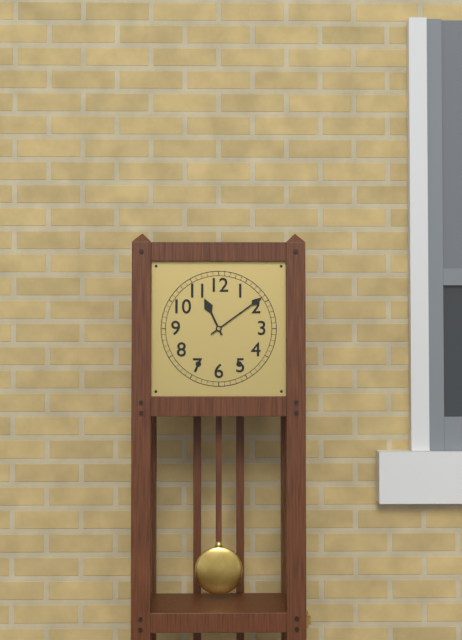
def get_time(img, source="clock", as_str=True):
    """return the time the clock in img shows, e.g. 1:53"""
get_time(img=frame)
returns 11:09
